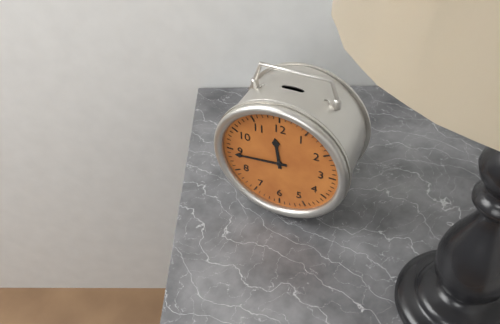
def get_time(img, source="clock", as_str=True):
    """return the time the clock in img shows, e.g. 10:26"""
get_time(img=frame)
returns 11:44
